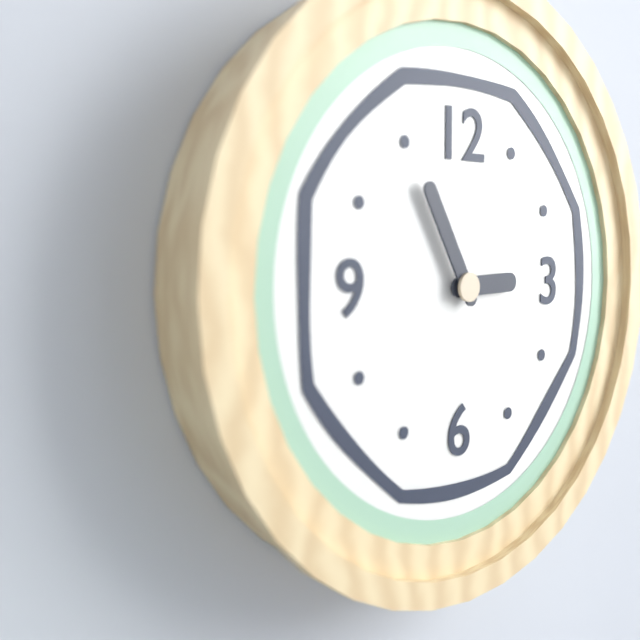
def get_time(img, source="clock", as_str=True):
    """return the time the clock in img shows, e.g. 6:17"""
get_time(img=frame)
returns 2:55
